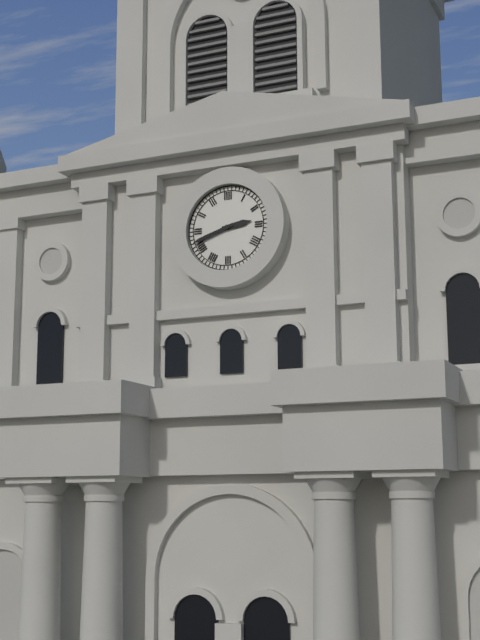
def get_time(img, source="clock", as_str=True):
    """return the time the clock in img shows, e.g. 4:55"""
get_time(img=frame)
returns 2:42
